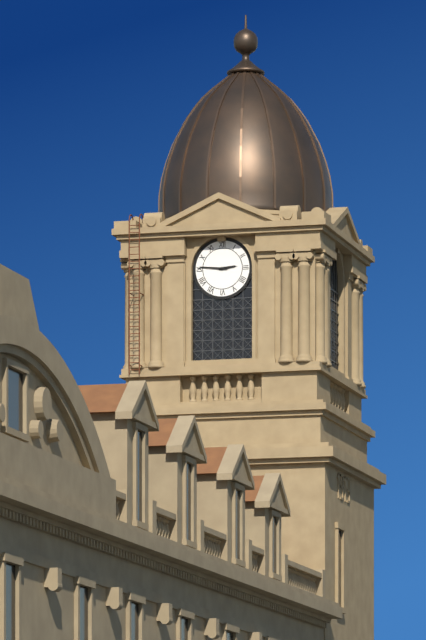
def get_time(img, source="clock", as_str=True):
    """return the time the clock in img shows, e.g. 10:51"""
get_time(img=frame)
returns 2:46
